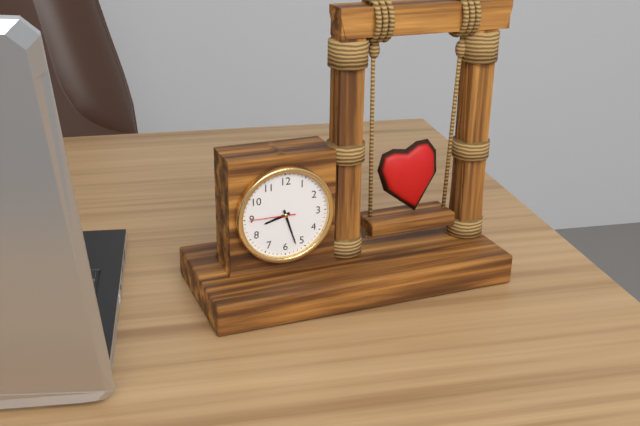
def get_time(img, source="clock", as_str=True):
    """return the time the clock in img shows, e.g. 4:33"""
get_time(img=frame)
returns 8:27
